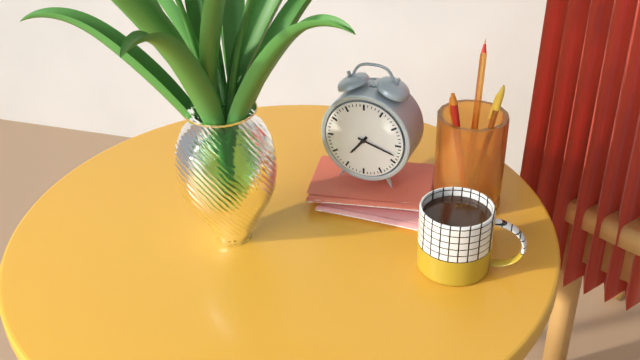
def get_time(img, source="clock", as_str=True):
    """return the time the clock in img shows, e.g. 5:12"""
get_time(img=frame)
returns 7:18
